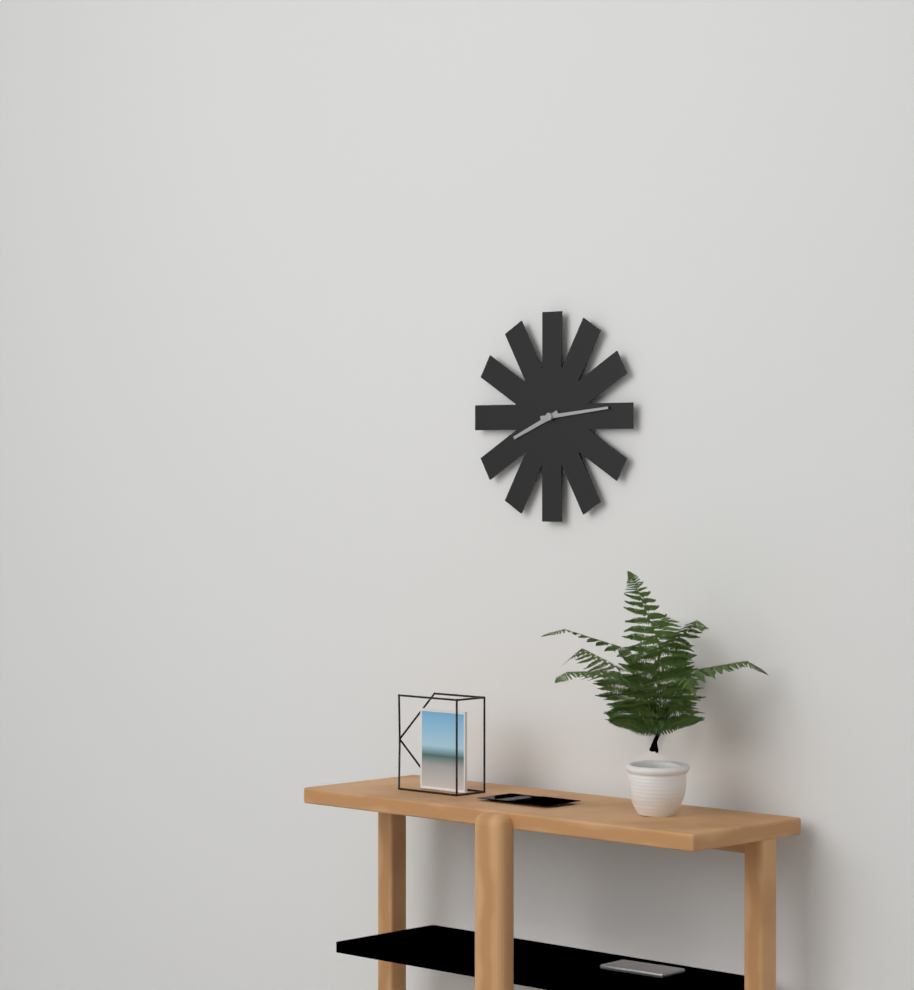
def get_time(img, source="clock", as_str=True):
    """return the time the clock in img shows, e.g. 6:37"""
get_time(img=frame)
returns 8:14
